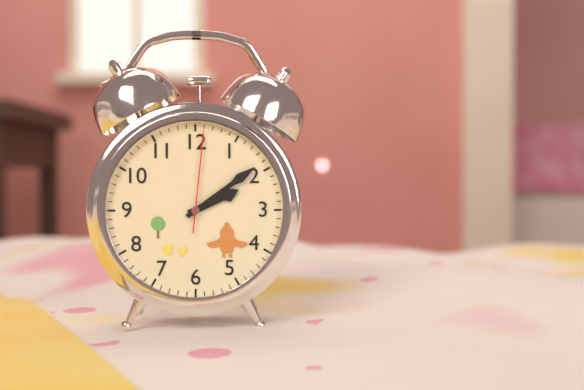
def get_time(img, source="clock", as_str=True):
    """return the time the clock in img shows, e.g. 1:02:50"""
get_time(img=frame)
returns 2:09:01
